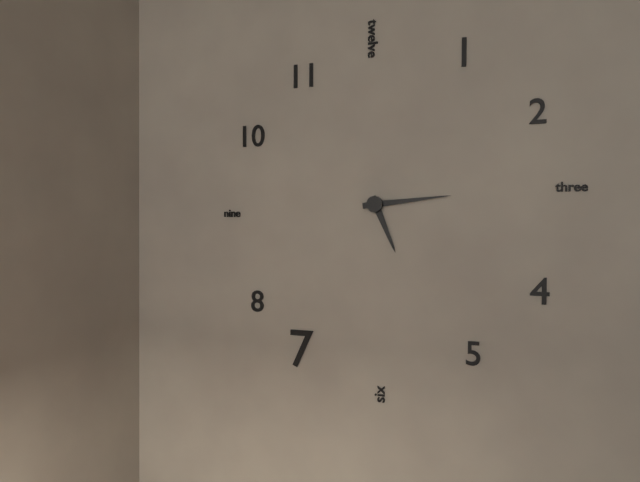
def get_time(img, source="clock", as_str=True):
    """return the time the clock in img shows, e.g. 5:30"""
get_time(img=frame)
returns 5:14
